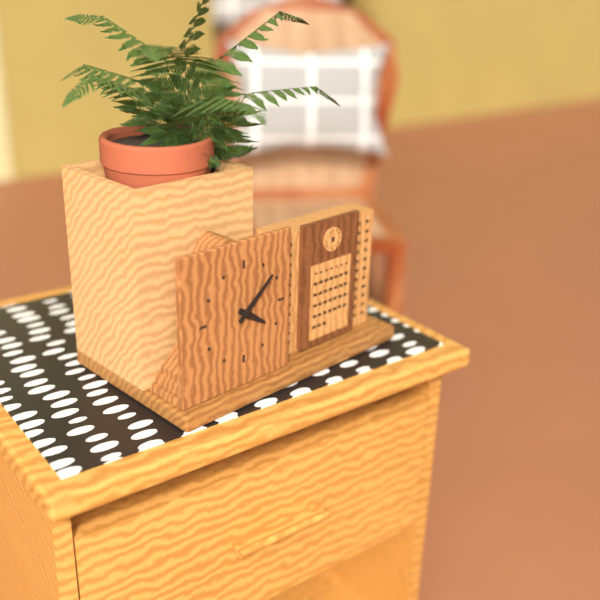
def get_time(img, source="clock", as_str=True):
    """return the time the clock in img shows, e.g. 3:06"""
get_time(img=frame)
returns 4:08
